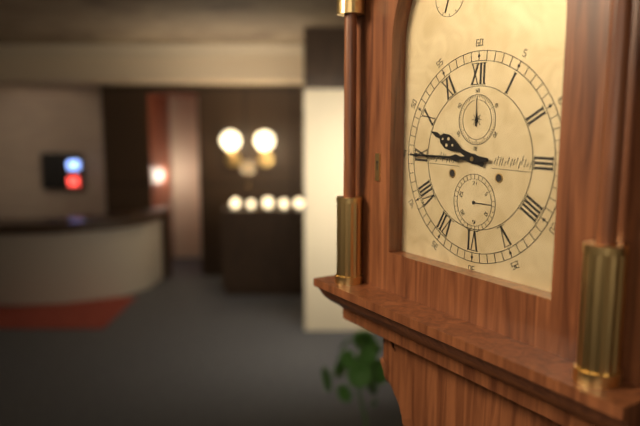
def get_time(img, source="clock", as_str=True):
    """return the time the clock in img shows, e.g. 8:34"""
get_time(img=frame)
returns 9:45
